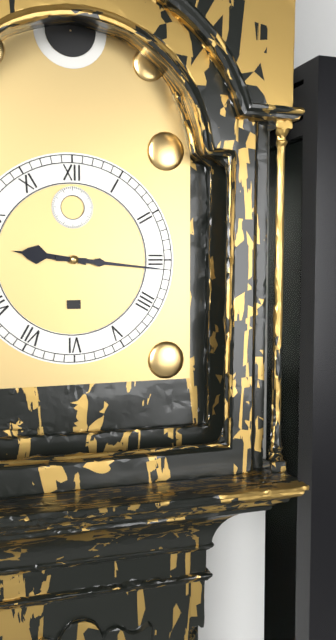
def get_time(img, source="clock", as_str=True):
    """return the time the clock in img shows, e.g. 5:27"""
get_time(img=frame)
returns 9:16
